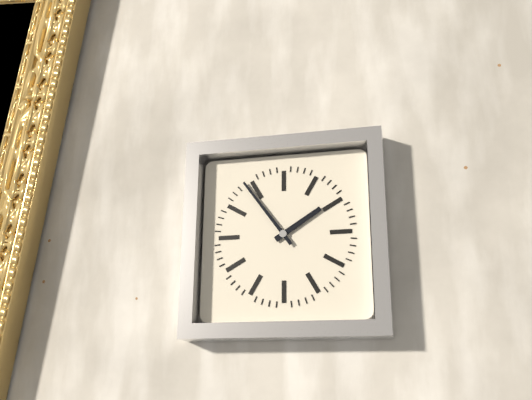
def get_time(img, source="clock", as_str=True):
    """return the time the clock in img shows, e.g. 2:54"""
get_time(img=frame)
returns 1:54
